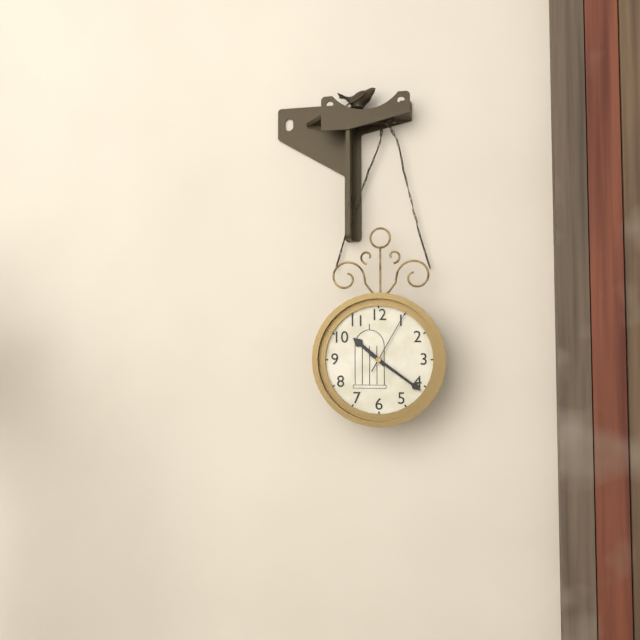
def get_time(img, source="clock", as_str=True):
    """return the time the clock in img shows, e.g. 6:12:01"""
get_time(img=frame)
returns 10:21:05
